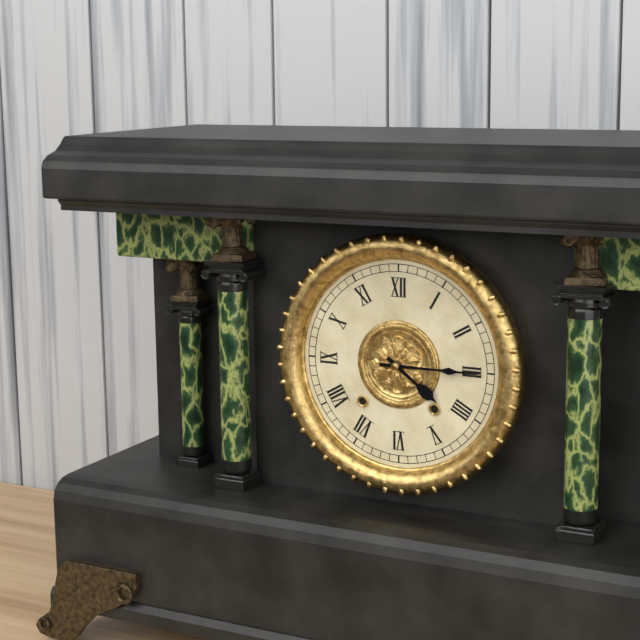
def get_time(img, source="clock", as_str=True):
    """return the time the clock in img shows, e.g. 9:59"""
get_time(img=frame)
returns 4:15
